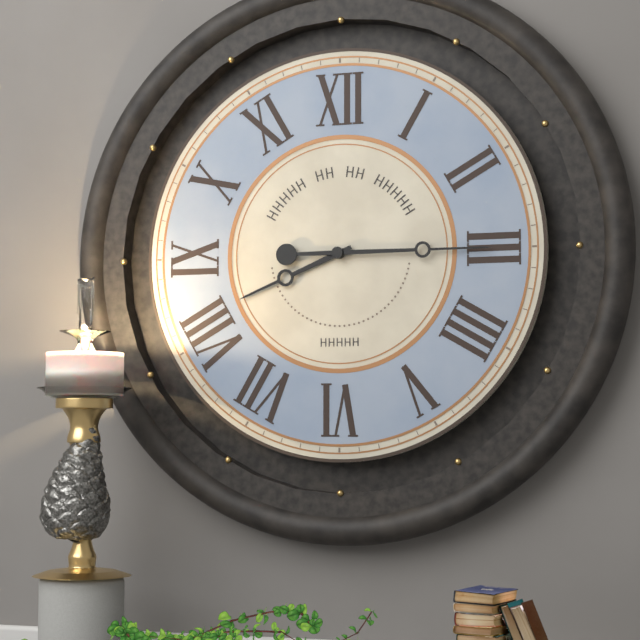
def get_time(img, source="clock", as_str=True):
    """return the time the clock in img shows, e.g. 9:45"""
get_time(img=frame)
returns 8:15
